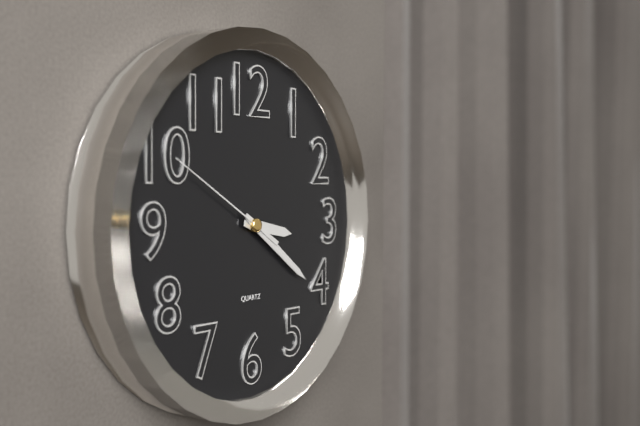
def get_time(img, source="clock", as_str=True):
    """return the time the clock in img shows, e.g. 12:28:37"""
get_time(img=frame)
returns 3:21:50
